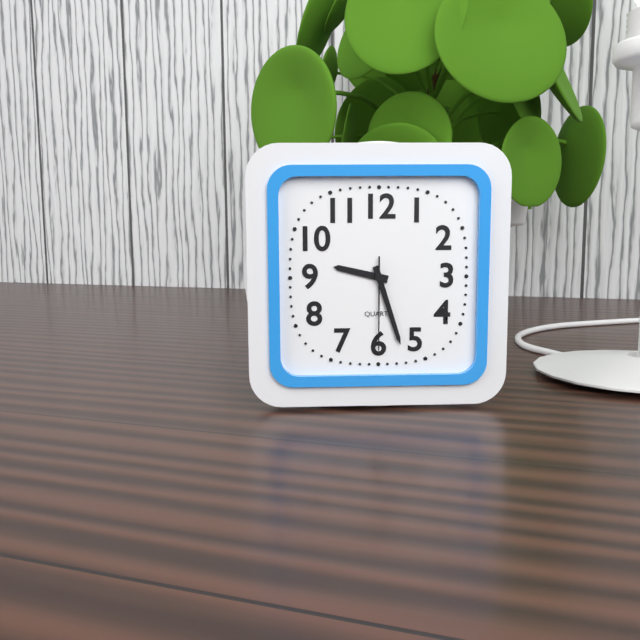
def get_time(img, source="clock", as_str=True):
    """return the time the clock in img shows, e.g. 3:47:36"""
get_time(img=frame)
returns 9:27:30
